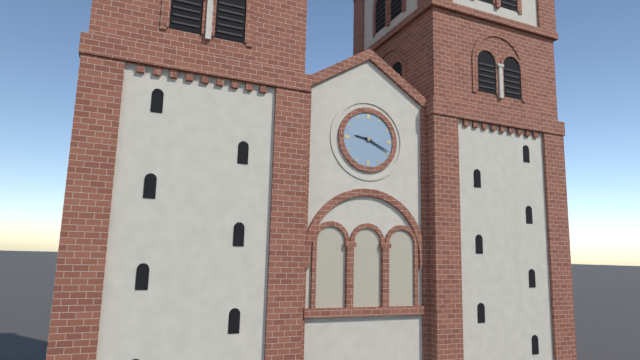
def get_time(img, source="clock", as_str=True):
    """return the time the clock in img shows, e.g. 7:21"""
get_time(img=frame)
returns 9:19
